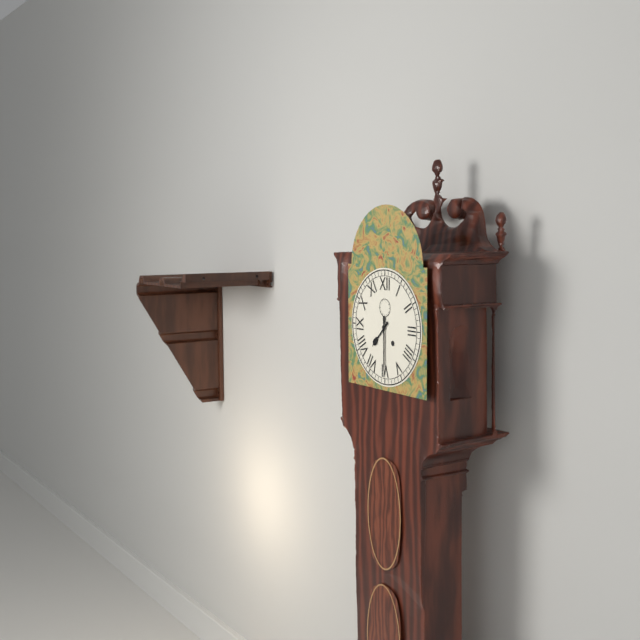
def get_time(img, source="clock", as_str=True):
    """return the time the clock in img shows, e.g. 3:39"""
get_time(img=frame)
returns 7:30
